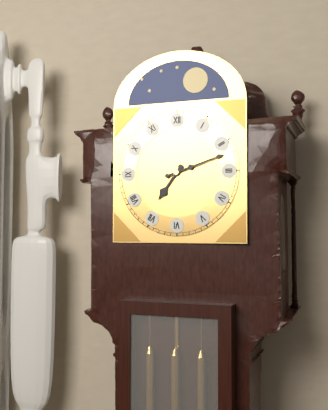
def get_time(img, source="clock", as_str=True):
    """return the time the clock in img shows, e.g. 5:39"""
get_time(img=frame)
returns 7:12
